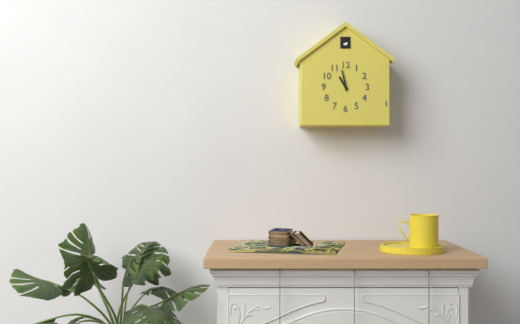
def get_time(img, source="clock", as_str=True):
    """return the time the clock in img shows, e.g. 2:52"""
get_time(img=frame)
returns 10:58
